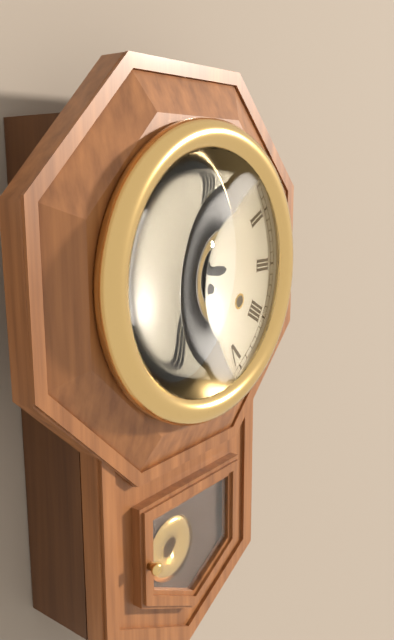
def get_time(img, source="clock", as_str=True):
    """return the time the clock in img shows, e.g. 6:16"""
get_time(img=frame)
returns 10:44
